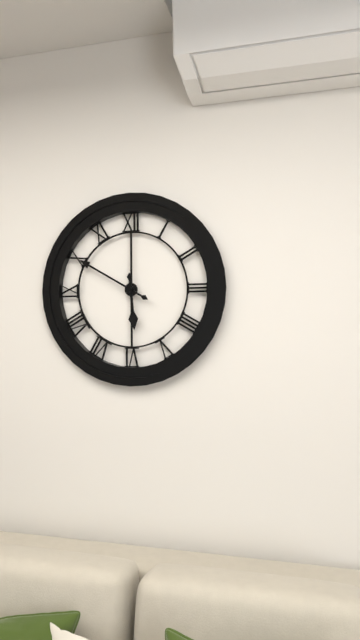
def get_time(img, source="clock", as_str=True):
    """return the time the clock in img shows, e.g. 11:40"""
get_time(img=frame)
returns 5:50
